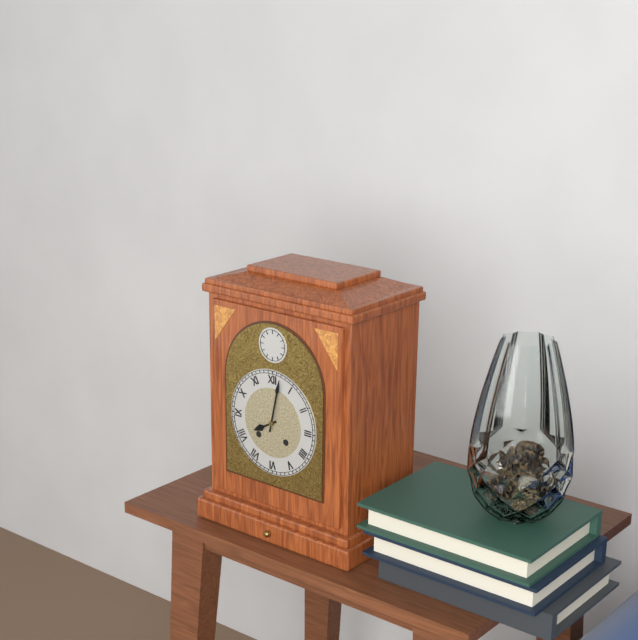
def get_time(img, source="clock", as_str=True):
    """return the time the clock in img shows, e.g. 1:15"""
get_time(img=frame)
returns 8:02
